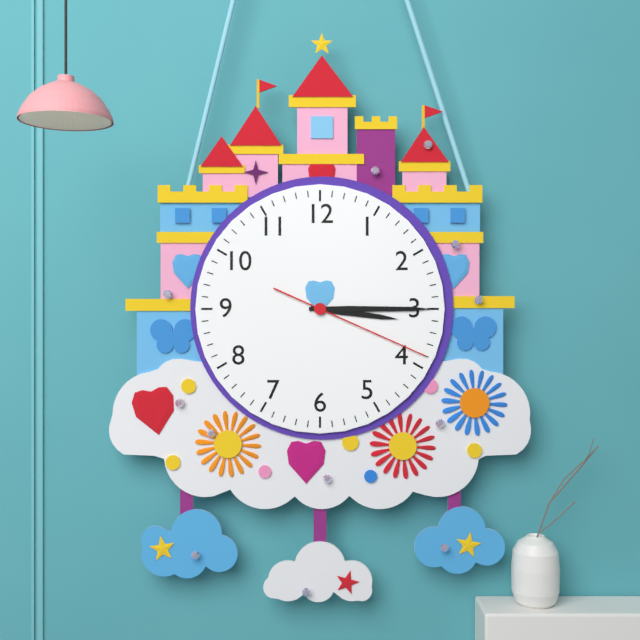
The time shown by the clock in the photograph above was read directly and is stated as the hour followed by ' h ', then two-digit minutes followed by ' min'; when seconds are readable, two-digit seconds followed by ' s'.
3 h 15 min 19 s
